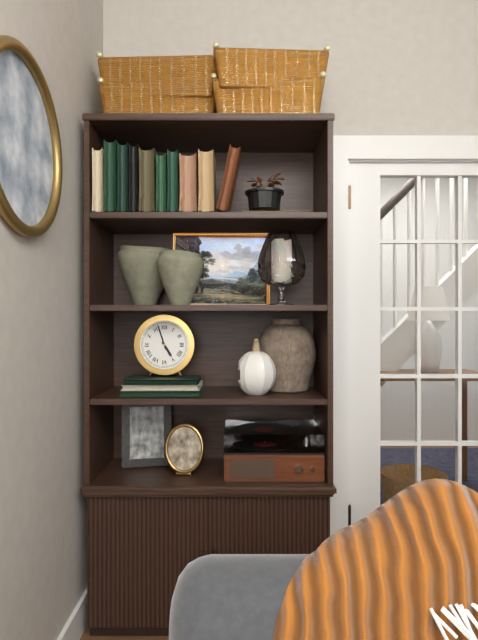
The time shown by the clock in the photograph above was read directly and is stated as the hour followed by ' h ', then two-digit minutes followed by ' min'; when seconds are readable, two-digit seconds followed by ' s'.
4 h 57 min
